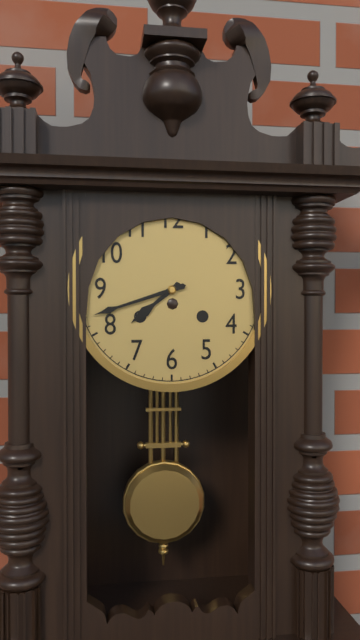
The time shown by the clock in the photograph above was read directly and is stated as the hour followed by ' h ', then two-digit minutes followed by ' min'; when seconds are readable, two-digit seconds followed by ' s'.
7 h 42 min
